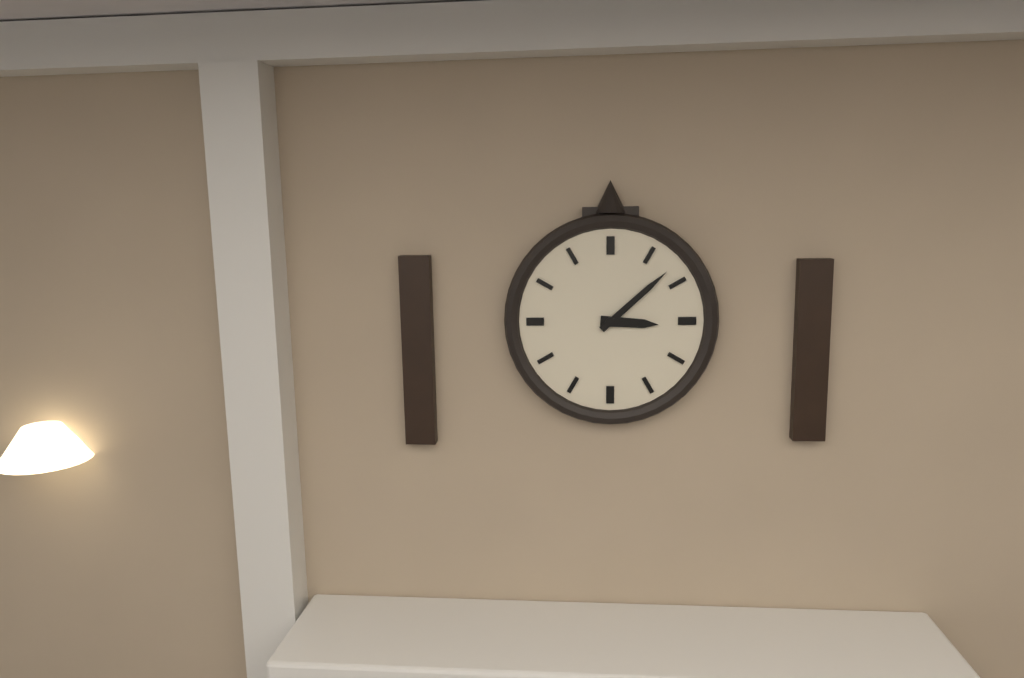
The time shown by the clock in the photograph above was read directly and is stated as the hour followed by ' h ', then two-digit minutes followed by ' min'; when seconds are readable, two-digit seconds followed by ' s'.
3 h 08 min
